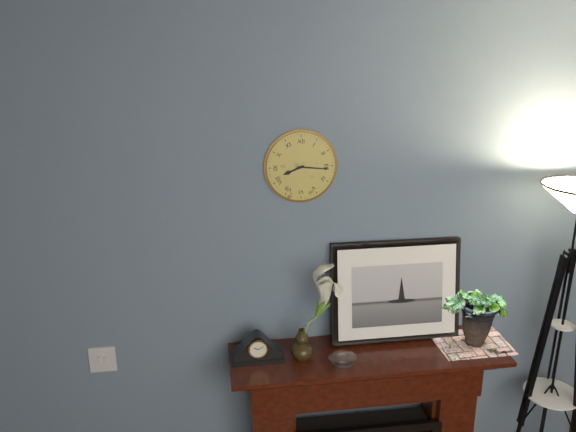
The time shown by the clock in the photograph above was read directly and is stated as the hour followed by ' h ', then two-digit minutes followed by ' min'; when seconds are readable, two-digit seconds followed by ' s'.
8 h 16 min
